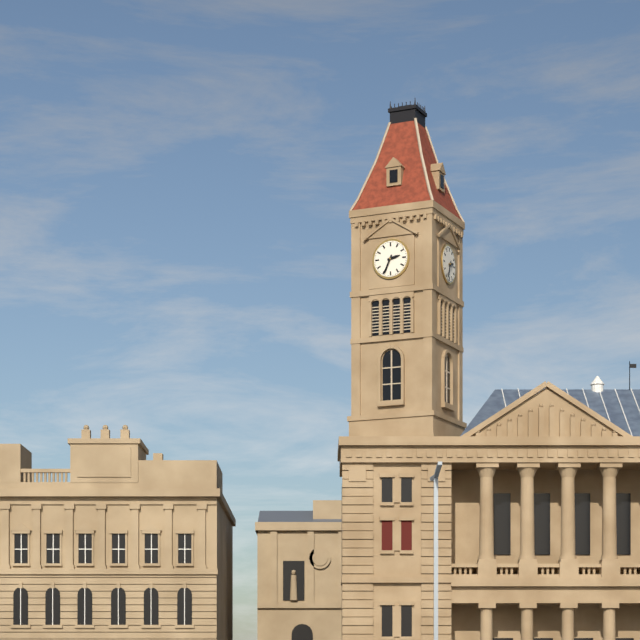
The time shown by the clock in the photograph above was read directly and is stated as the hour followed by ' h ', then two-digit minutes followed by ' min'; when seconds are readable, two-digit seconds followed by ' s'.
2 h 34 min
